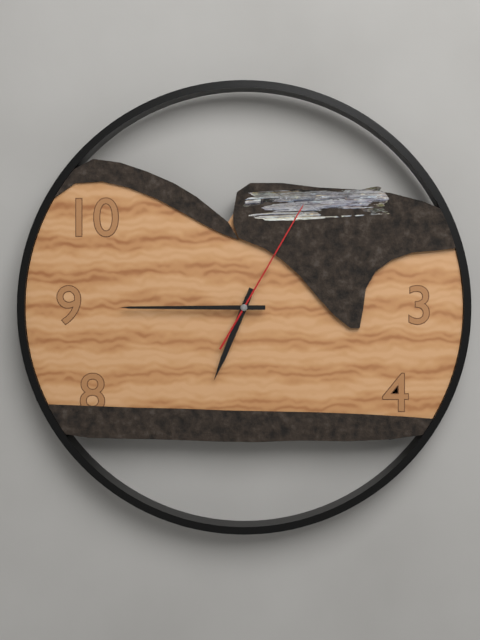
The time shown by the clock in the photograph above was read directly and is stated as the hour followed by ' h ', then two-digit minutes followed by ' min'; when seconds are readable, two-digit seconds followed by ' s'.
6 h 45 min 05 s
